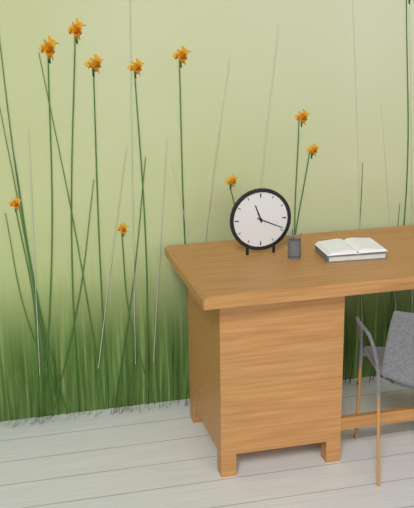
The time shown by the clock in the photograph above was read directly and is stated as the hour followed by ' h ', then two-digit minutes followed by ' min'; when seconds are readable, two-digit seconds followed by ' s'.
11 h 19 min
